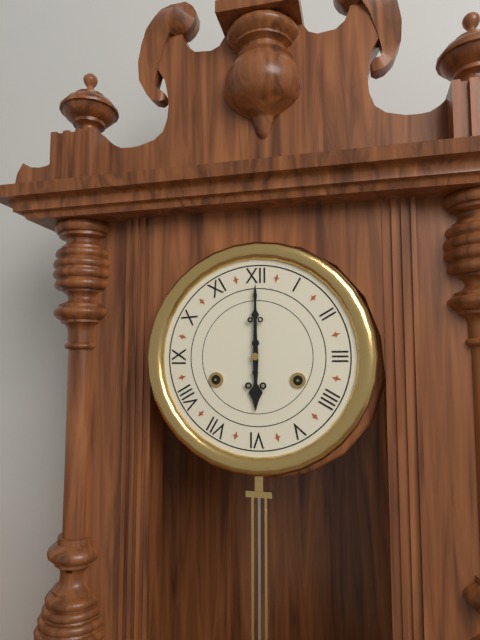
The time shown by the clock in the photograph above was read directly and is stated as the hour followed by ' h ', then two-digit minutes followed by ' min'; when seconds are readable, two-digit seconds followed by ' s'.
6 h 00 min
